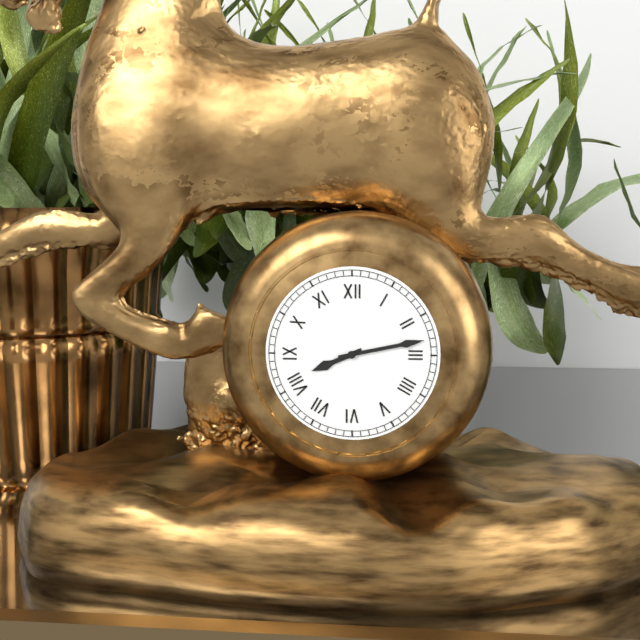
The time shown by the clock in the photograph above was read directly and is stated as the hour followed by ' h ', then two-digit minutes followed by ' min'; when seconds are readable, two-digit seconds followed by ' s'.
8 h 13 min
